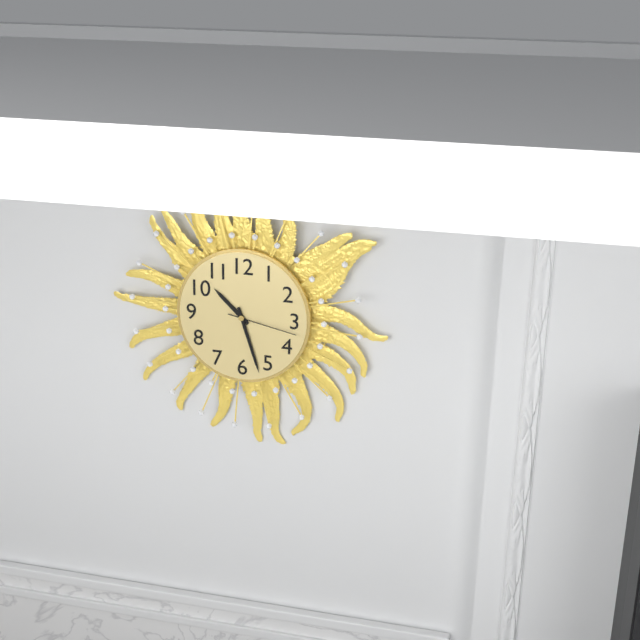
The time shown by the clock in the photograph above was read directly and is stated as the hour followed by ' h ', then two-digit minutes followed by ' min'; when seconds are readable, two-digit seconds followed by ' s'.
10 h 27 min 17 s
